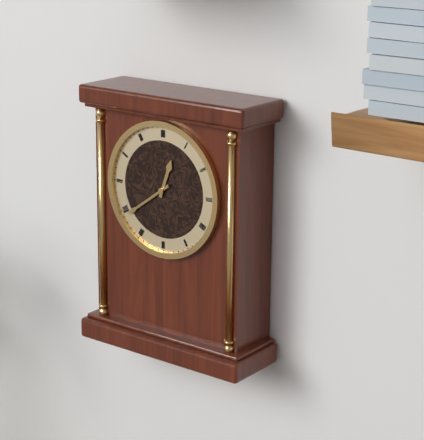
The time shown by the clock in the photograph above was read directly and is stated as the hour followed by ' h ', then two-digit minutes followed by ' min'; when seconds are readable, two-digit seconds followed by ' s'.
12 h 39 min
